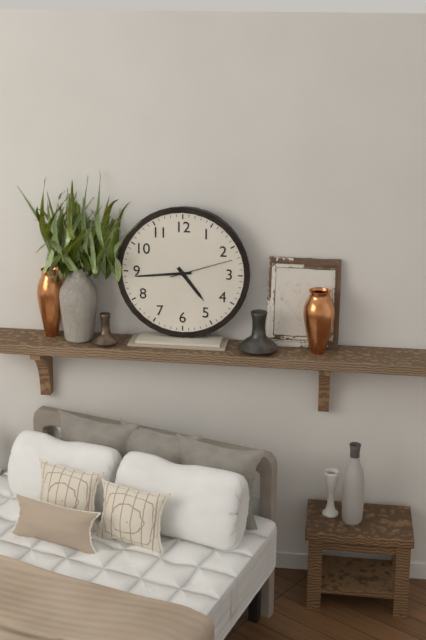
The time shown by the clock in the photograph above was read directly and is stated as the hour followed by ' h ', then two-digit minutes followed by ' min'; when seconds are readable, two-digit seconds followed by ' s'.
4 h 44 min 12 s
